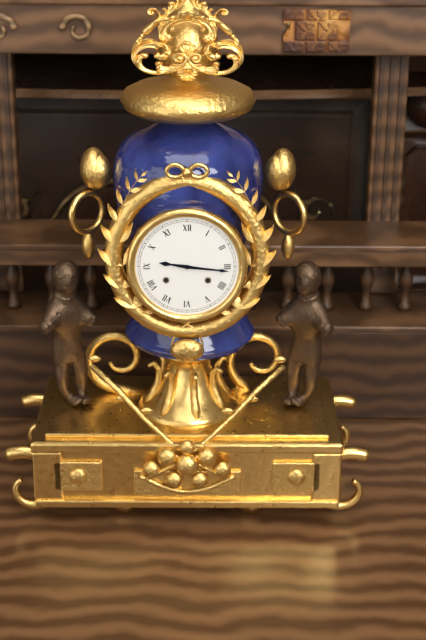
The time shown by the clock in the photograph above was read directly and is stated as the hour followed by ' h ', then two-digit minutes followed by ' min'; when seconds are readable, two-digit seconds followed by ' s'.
9 h 16 min
